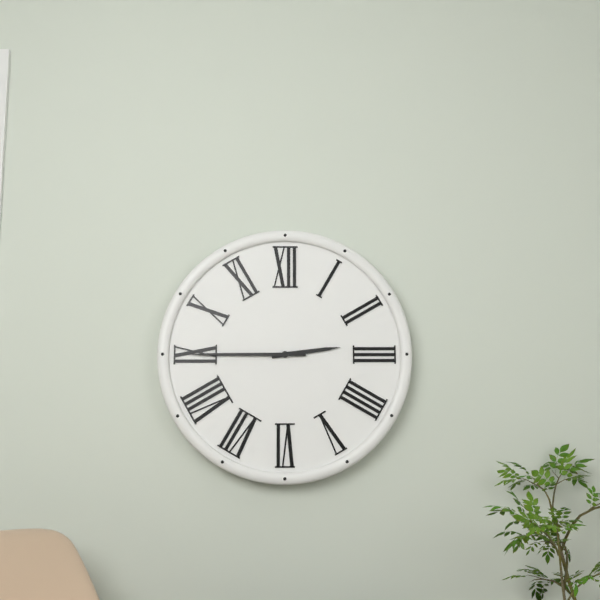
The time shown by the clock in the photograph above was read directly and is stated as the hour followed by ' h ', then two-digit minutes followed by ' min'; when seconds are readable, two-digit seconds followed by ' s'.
2 h 45 min
